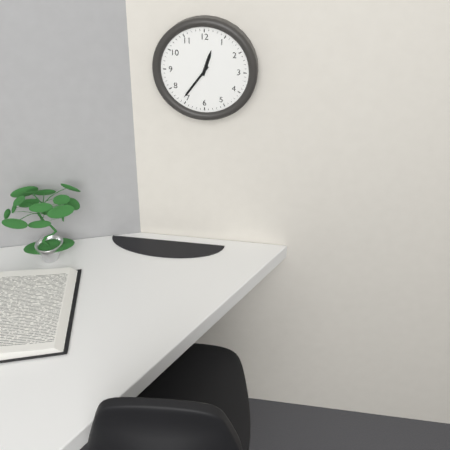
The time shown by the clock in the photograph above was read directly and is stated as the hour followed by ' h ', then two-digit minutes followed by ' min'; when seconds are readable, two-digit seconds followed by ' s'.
12 h 36 min
